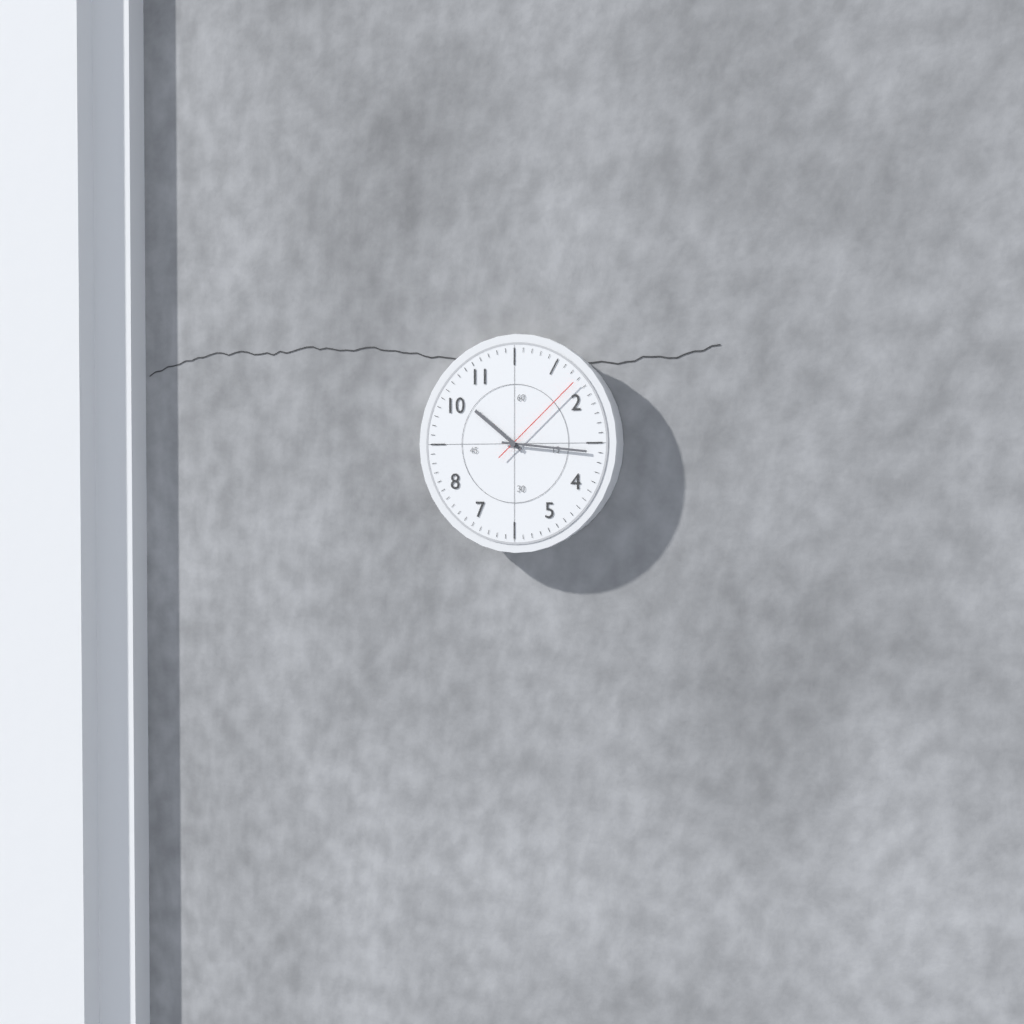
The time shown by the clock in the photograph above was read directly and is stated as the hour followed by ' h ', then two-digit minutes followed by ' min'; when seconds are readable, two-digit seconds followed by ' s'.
10 h 16 min 08 s
